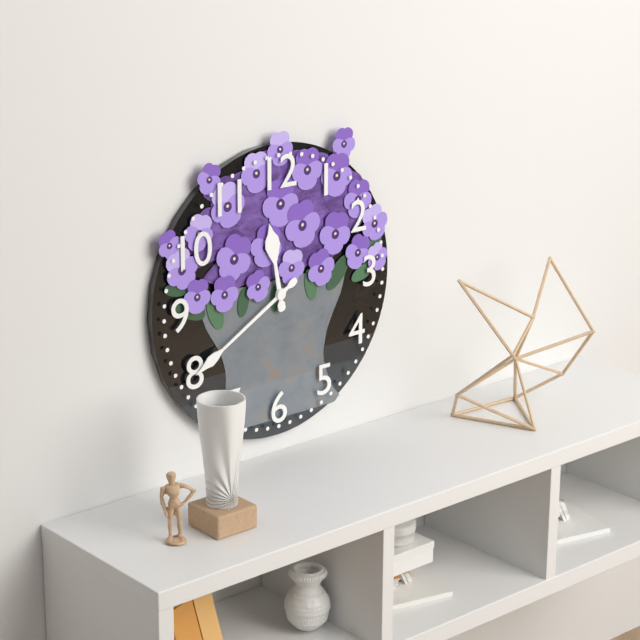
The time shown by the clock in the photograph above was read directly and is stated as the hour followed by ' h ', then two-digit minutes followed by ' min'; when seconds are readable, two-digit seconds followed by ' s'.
11 h 40 min
